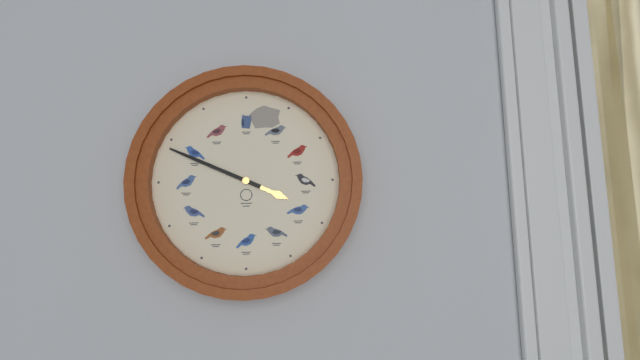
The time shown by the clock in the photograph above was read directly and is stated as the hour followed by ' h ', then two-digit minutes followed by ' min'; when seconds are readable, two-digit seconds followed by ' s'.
3 h 49 min
